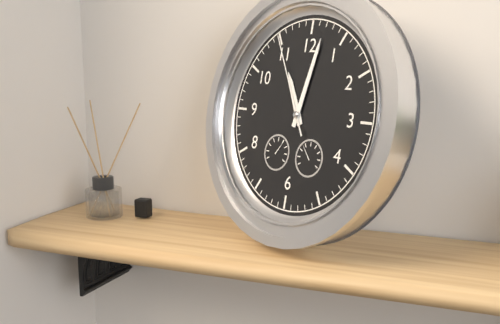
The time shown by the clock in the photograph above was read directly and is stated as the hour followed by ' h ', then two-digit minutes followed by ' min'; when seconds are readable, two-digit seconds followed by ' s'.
11 h 02 min 55 s
